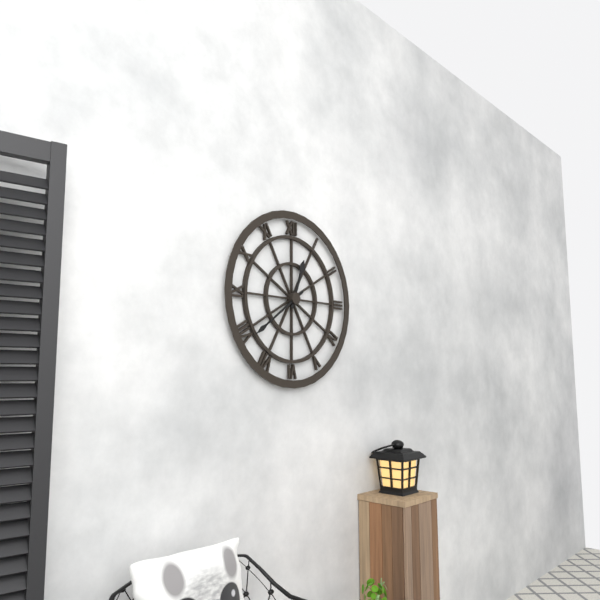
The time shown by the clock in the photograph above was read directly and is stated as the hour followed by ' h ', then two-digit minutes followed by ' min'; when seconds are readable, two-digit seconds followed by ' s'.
12 h 39 min
